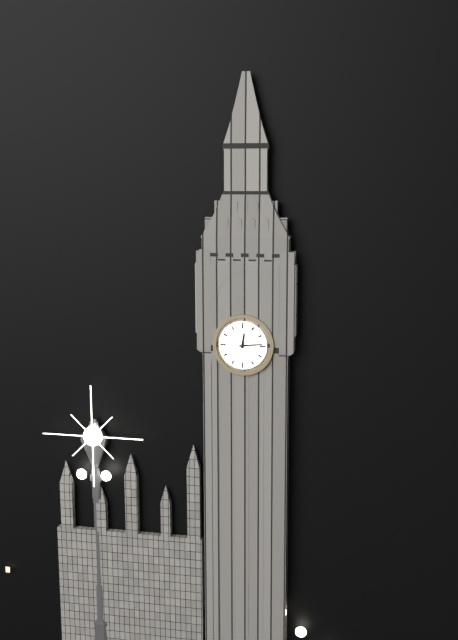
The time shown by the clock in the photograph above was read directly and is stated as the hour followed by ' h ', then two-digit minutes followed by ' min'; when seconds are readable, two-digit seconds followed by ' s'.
12 h 14 min
